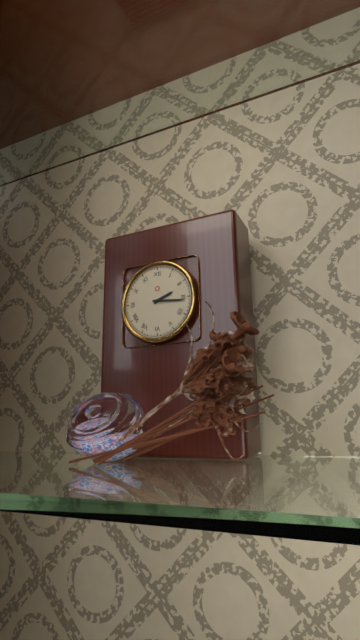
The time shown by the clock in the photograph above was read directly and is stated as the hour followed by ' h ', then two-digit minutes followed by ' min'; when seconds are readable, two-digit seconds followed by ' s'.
2 h 16 min
